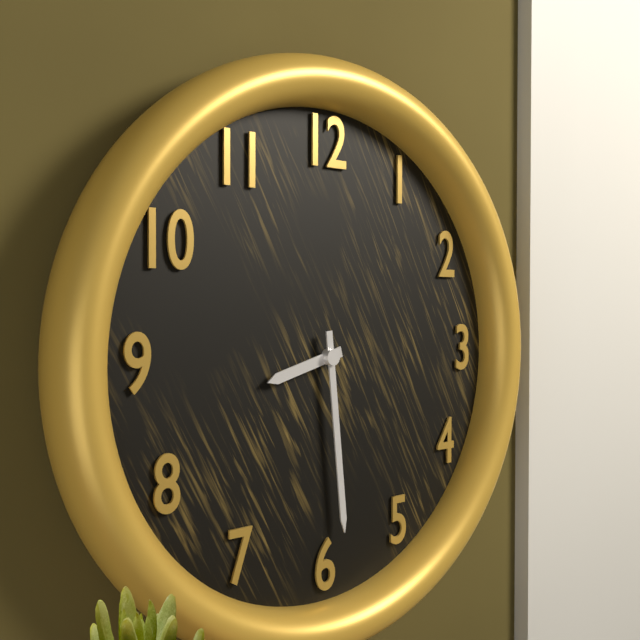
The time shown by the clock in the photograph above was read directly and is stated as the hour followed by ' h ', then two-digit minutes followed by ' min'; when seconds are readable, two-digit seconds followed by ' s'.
8 h 29 min
